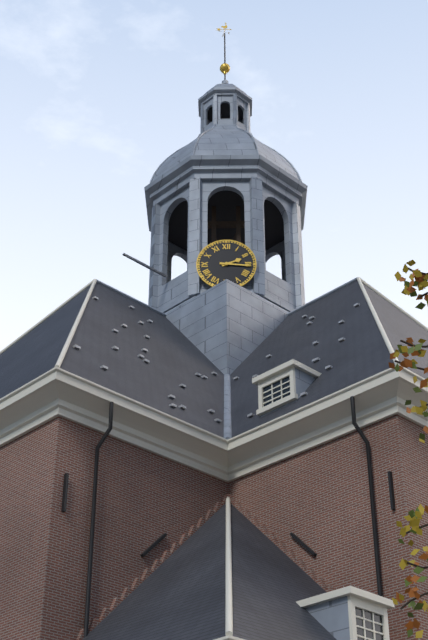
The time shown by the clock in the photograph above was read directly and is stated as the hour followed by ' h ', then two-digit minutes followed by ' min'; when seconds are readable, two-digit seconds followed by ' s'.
2 h 16 min
